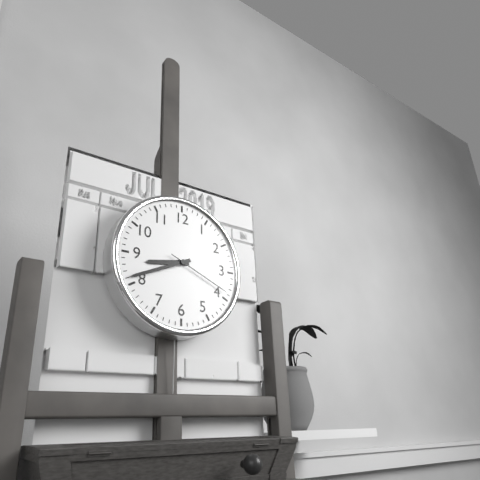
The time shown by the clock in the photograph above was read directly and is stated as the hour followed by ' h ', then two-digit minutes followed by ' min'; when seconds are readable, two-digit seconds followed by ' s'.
8 h 41 min 19 s
